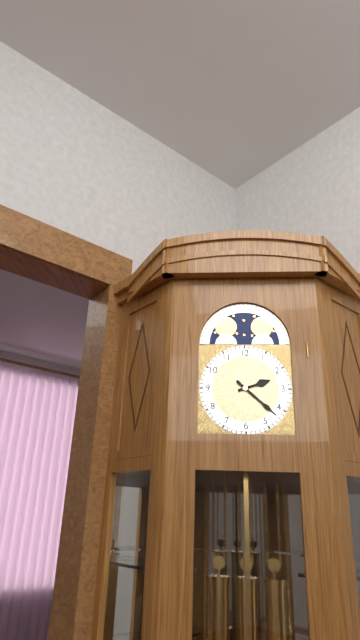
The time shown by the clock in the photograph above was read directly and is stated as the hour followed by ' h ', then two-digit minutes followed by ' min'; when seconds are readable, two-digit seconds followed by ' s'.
2 h 22 min
